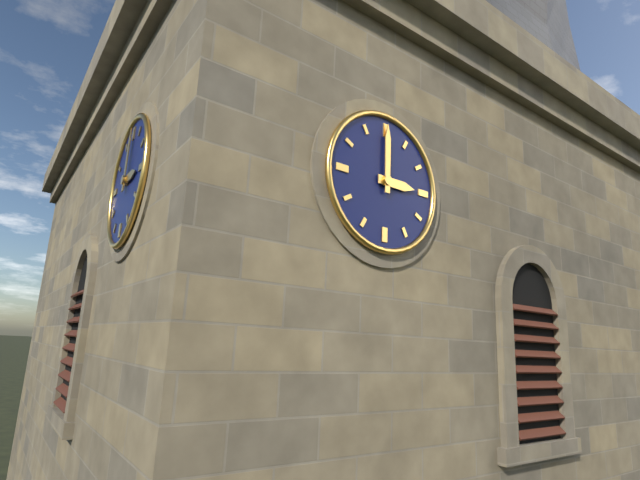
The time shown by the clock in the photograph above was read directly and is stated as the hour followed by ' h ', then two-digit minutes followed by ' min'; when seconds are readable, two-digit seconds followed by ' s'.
3 h 00 min
